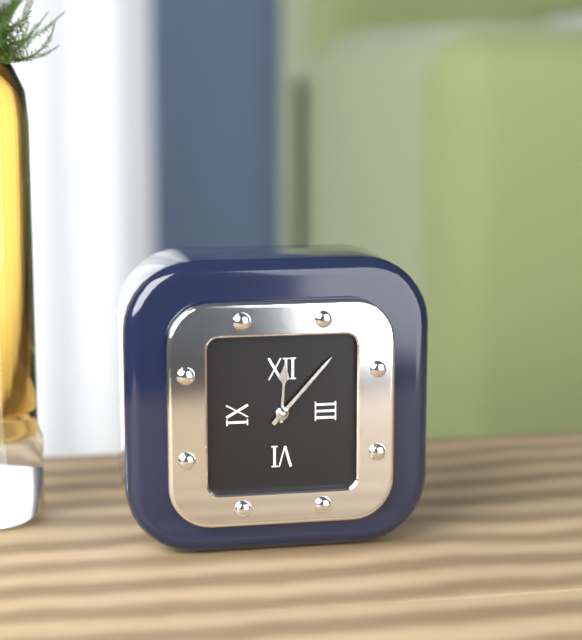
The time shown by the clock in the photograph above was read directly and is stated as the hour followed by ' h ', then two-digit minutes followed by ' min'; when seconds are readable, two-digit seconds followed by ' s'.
12 h 07 min
